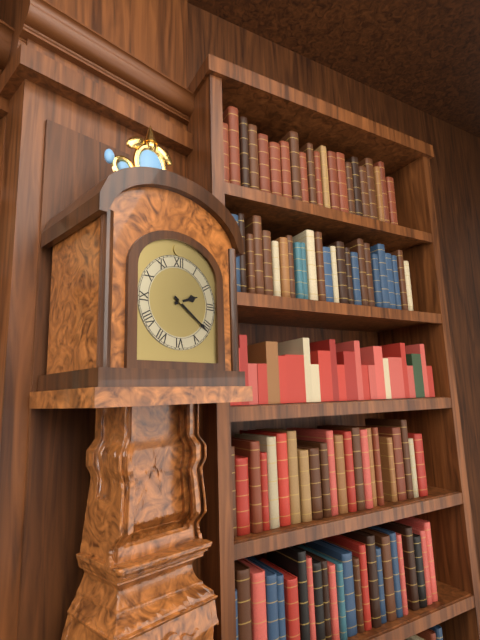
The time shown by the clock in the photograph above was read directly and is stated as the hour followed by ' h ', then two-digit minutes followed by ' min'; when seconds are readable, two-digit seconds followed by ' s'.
2 h 21 min
